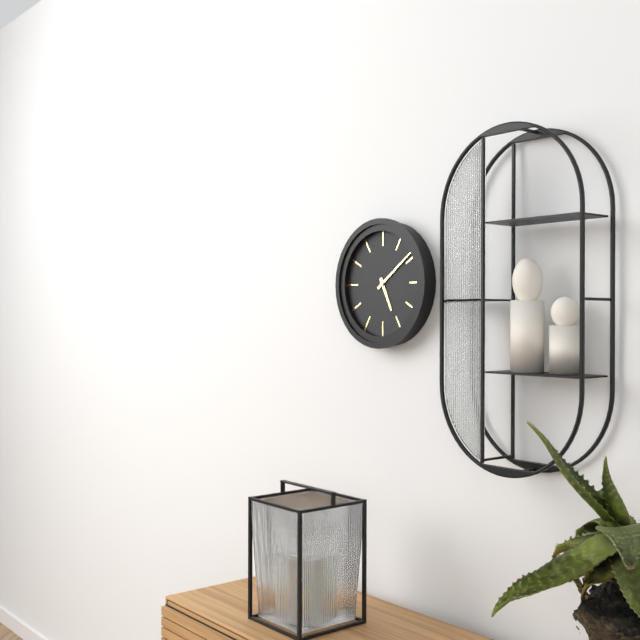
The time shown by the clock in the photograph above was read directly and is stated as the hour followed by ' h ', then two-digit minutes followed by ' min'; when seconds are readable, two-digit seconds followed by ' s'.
5 h 09 min
